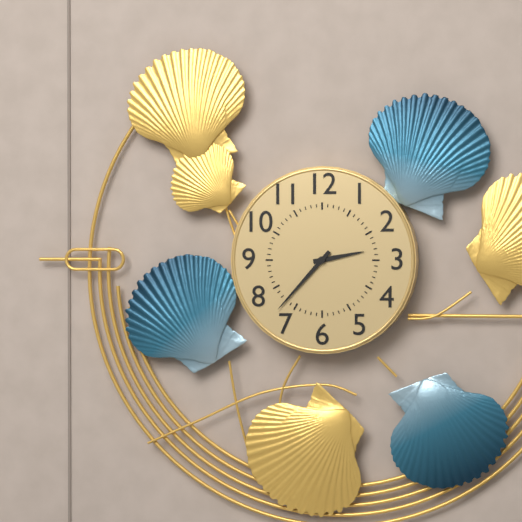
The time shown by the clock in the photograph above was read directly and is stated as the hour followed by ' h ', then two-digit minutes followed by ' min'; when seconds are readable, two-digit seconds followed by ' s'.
2 h 37 min
